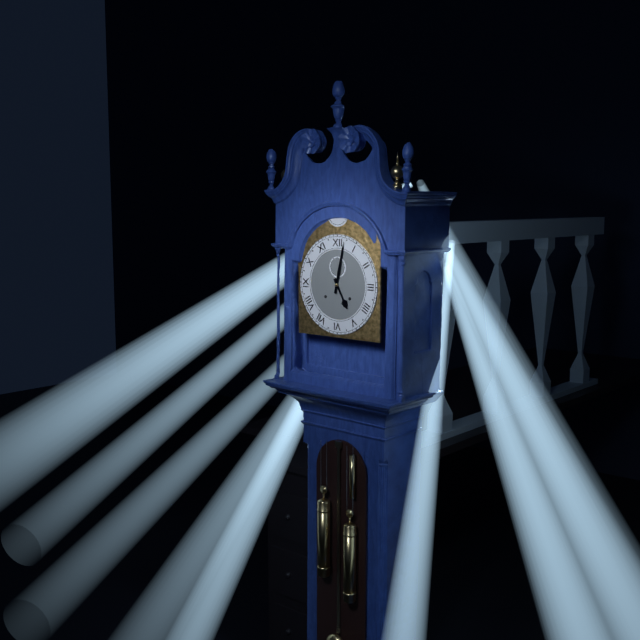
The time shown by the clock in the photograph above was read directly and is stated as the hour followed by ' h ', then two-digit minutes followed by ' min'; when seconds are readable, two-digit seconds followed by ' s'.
5 h 02 min
